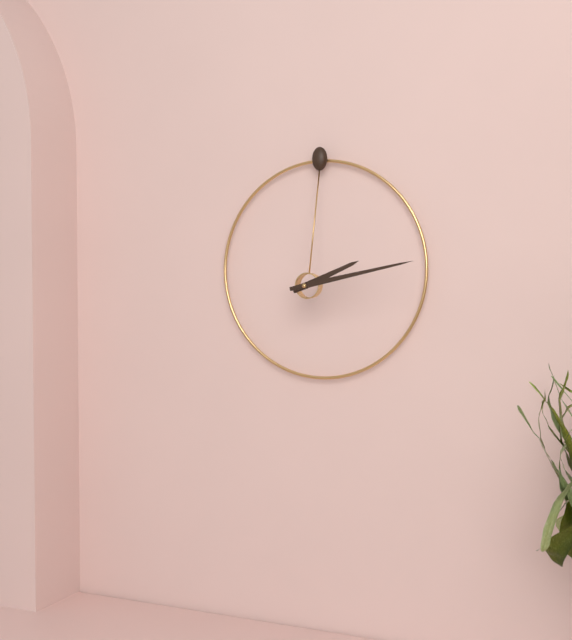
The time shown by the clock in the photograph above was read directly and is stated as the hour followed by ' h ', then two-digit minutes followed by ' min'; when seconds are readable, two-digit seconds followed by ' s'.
2 h 13 min
